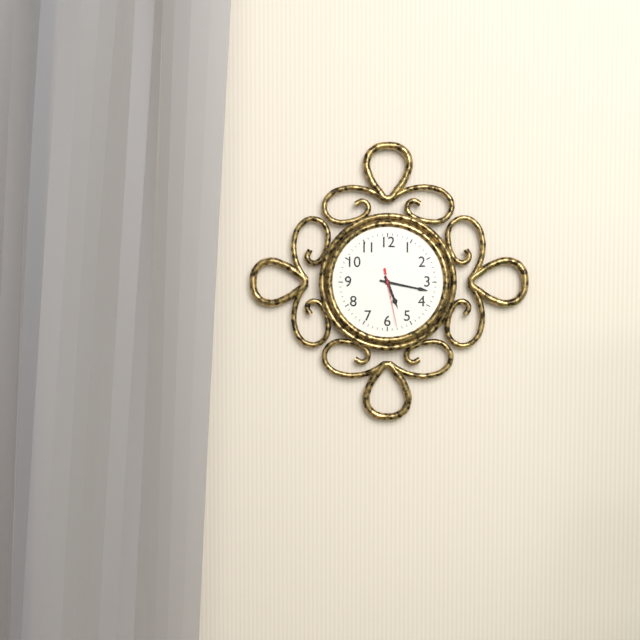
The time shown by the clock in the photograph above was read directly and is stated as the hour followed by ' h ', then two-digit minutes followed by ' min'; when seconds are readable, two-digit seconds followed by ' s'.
5 h 17 min 28 s
